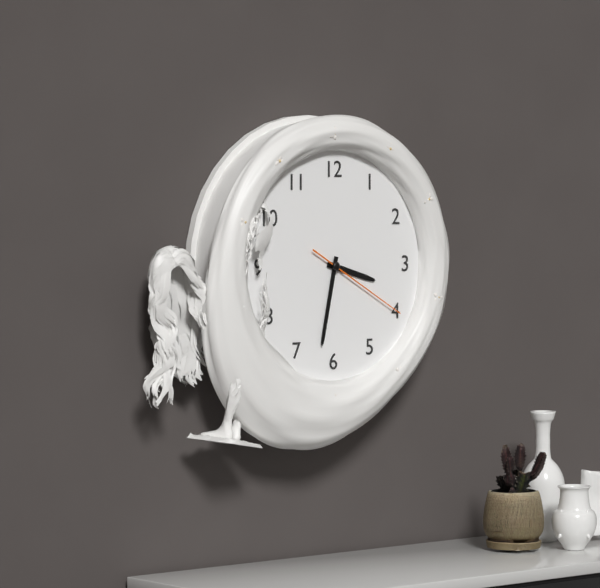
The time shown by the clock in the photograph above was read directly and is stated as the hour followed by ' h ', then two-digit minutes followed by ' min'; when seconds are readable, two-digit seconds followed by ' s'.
3 h 32 min 20 s
